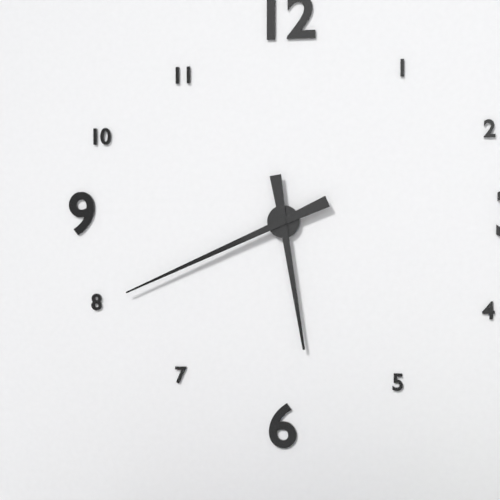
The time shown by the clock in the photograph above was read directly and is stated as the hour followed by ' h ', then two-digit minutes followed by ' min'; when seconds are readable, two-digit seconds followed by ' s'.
5 h 41 min
